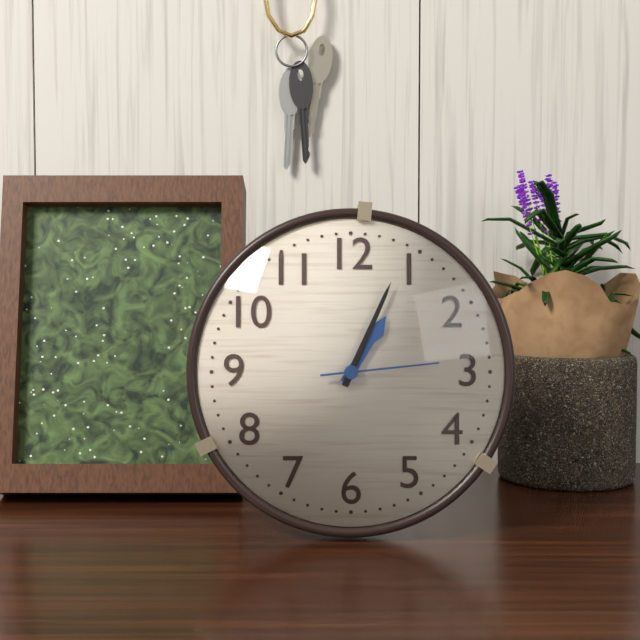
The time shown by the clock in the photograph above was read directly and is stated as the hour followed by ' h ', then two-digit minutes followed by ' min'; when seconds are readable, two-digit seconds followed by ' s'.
1 h 04 min 14 s
